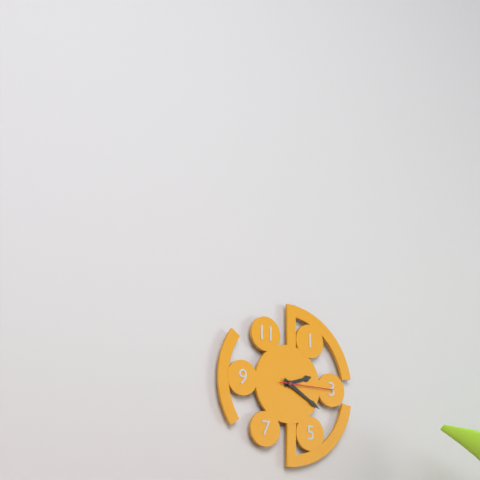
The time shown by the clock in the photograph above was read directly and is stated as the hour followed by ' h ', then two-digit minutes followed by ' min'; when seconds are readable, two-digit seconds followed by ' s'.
2 h 20 min 15 s
